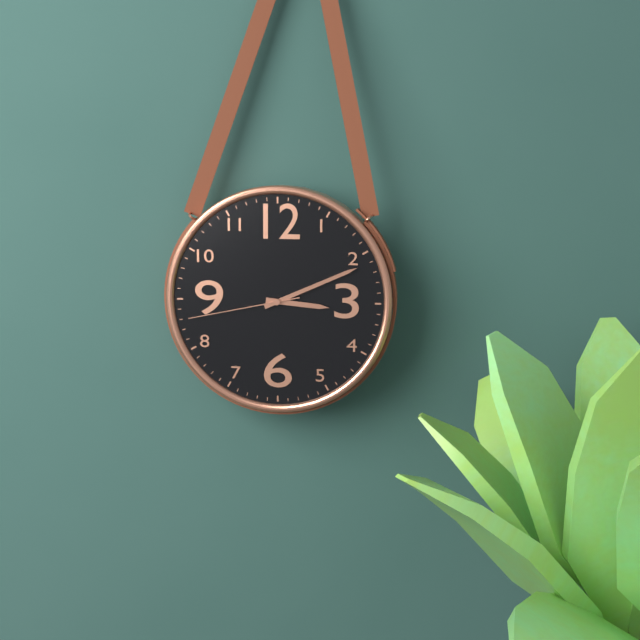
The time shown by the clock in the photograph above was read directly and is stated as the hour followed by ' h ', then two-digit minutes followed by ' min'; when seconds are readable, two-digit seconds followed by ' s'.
3 h 11 min 43 s
